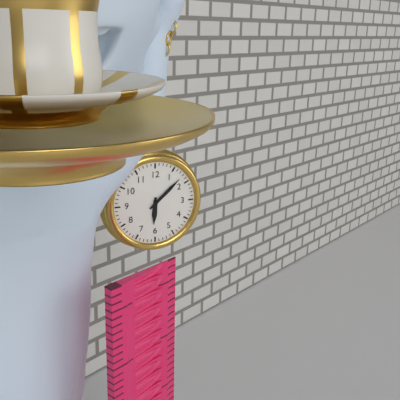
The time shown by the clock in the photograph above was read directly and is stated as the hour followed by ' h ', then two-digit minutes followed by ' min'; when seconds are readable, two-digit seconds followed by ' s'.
6 h 08 min
